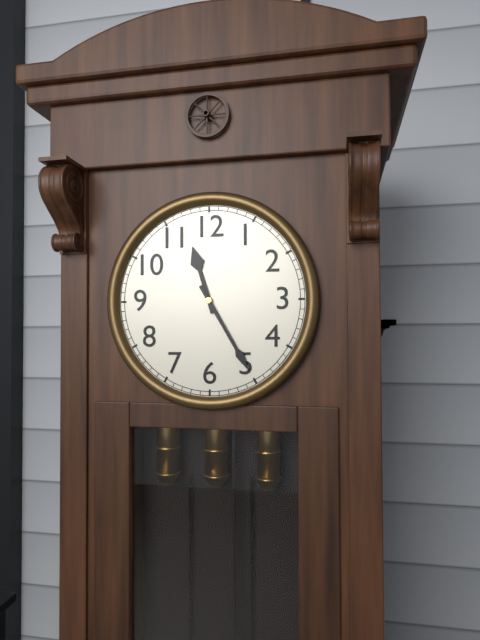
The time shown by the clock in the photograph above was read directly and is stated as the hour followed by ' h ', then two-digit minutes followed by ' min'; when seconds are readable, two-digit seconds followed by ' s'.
11 h 25 min
